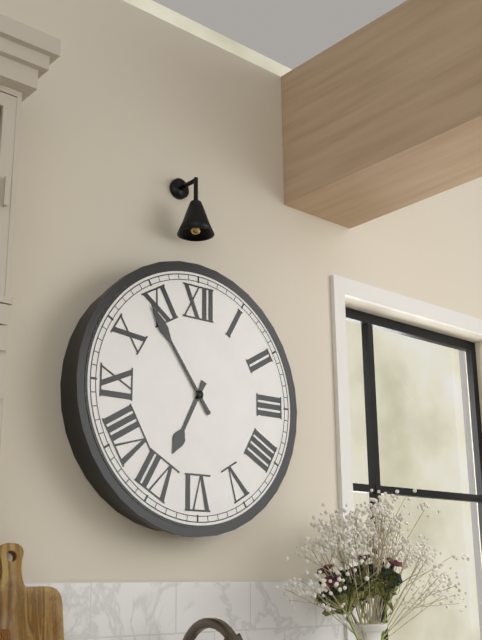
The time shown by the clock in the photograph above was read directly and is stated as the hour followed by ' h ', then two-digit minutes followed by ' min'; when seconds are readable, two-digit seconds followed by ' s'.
6 h 54 min
